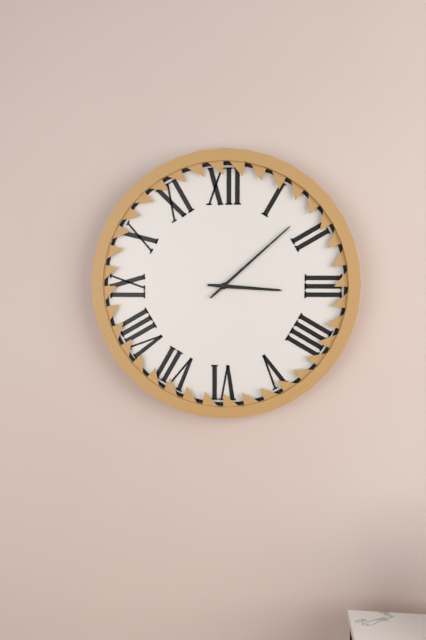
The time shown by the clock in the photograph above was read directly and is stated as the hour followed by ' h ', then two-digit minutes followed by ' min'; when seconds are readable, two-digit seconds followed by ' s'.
3 h 08 min
